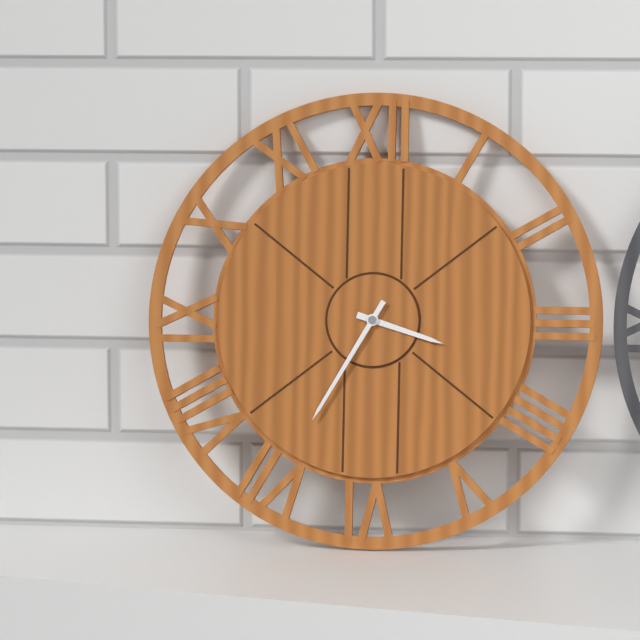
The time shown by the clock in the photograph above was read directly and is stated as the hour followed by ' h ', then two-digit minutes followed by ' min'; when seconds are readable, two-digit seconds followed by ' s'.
3 h 35 min
